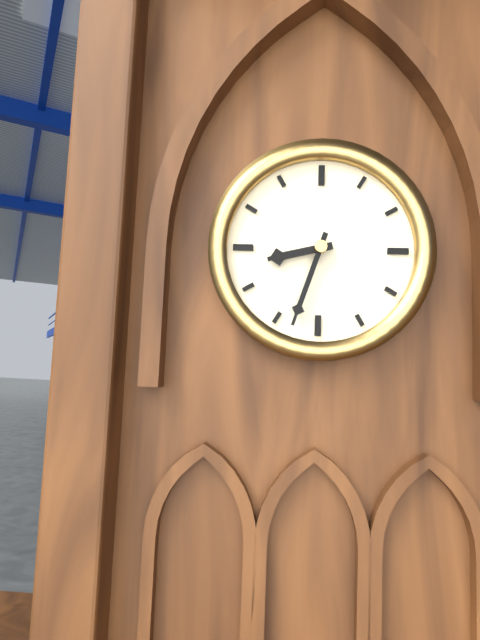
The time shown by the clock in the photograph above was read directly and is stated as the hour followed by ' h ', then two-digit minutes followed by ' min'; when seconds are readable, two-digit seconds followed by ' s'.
8 h 33 min
